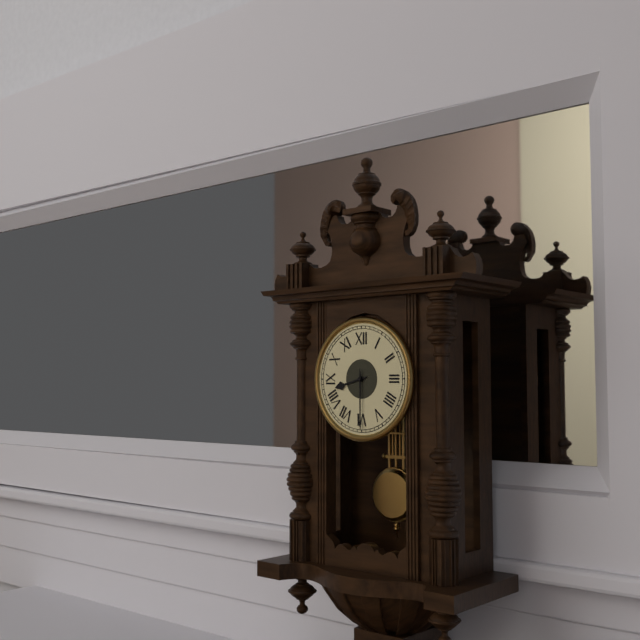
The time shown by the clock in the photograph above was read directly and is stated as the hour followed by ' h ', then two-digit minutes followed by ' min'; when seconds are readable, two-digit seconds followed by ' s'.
8 h 30 min
